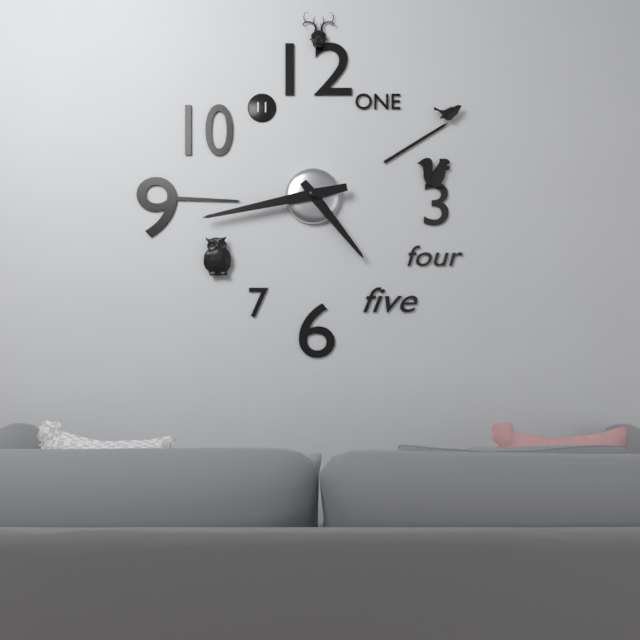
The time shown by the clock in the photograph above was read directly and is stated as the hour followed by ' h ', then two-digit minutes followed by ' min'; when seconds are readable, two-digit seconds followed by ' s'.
4 h 43 min
